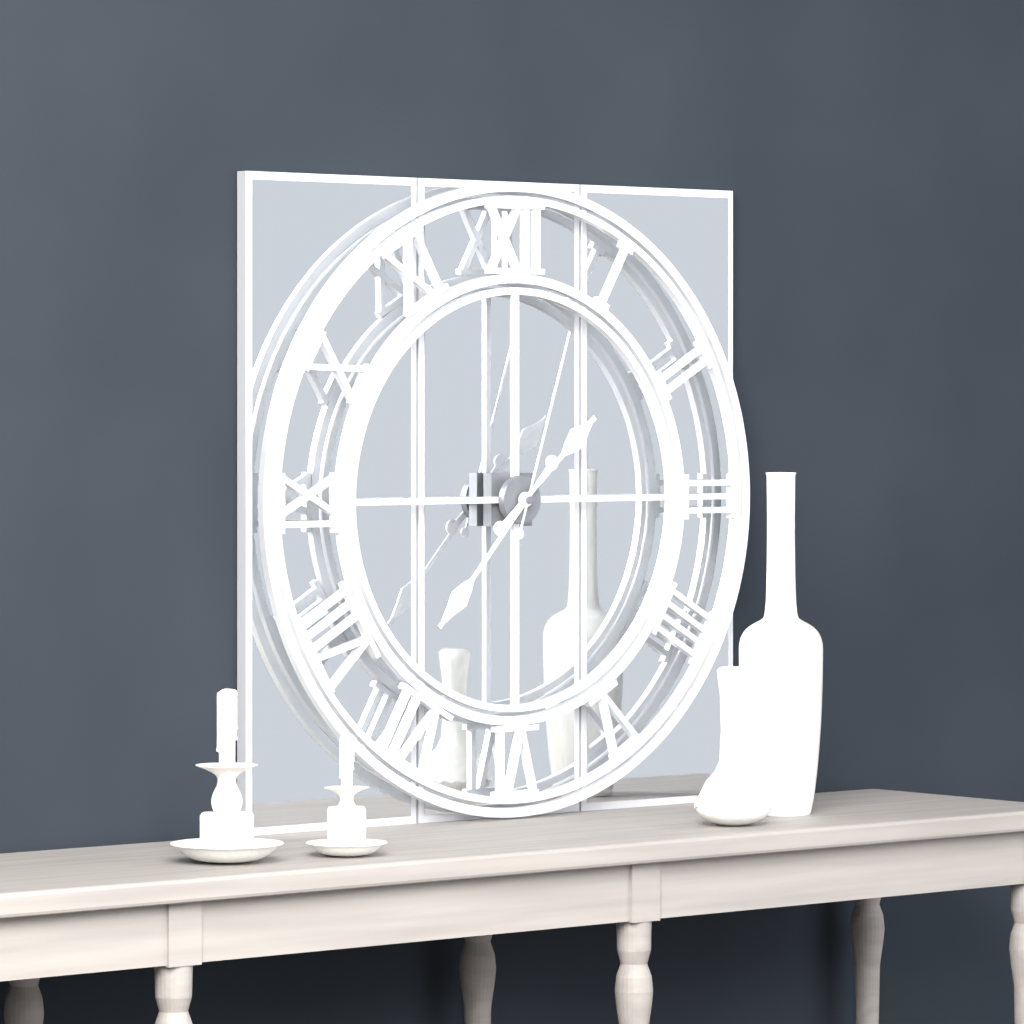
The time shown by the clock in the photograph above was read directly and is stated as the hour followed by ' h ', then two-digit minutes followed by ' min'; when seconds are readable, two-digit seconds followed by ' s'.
1 h 37 min 03 s
